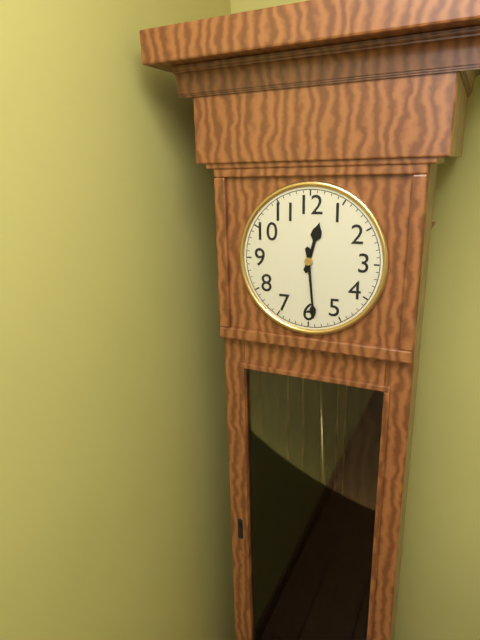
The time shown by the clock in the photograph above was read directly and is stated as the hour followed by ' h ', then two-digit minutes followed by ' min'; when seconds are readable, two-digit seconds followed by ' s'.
12 h 29 min
